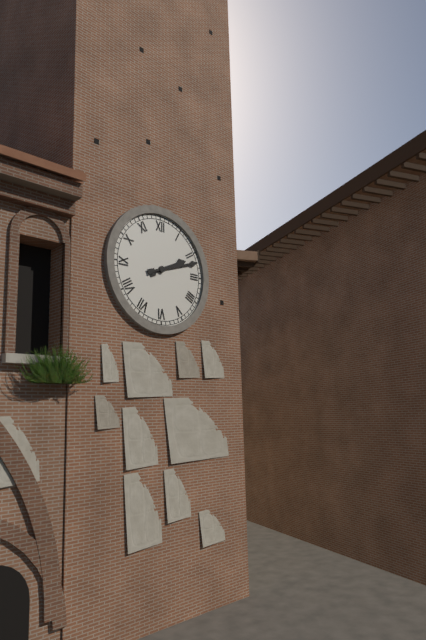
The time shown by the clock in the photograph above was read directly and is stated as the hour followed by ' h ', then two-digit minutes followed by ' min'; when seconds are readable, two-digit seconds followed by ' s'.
2 h 12 min
